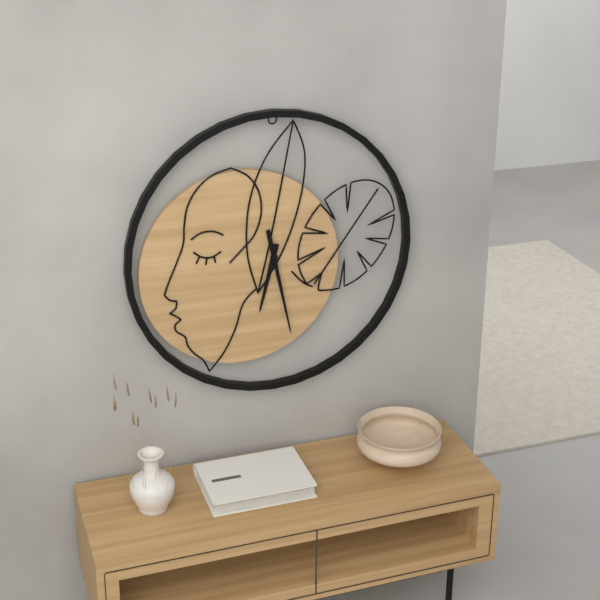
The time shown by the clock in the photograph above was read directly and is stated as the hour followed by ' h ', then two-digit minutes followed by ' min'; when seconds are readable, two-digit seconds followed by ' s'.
6 h 28 min
